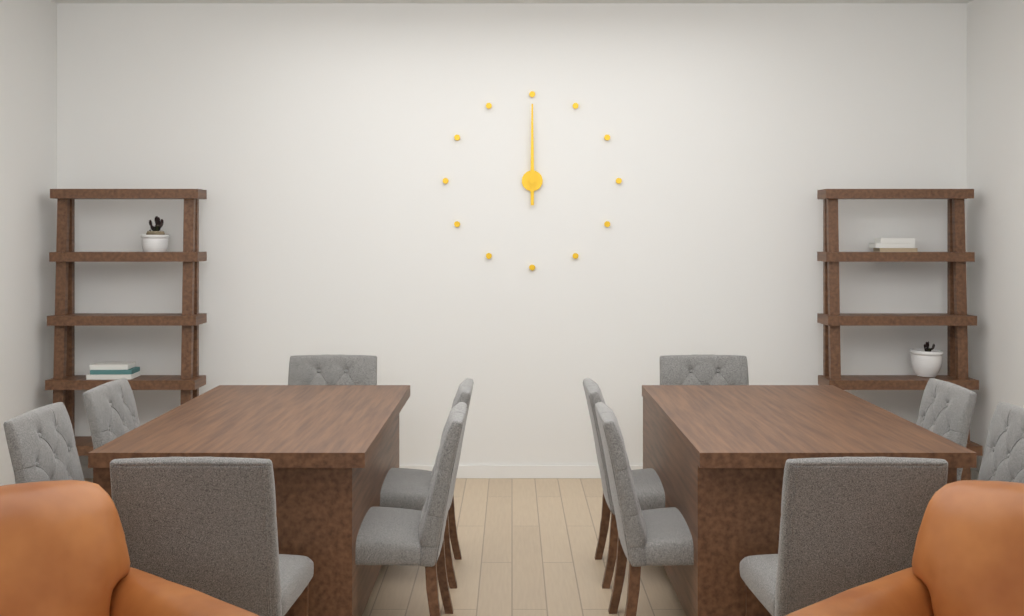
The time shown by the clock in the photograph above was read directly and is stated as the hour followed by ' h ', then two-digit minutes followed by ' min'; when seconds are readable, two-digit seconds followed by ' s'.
12 h 00 min
